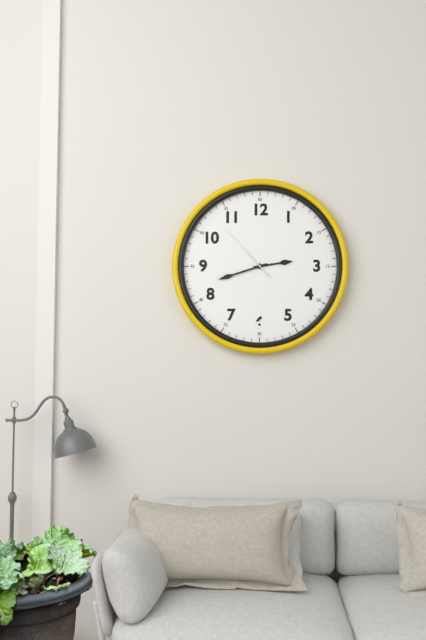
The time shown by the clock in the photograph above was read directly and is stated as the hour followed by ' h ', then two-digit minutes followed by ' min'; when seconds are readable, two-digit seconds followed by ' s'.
2 h 42 min 53 s
